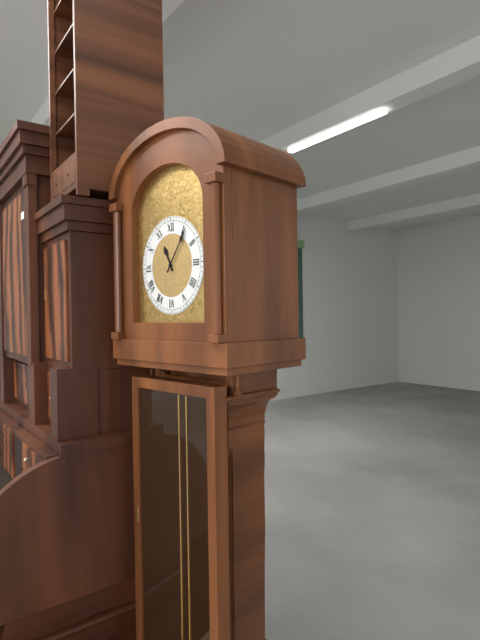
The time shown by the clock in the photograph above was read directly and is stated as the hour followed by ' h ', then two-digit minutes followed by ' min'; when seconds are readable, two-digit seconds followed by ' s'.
11 h 06 min
